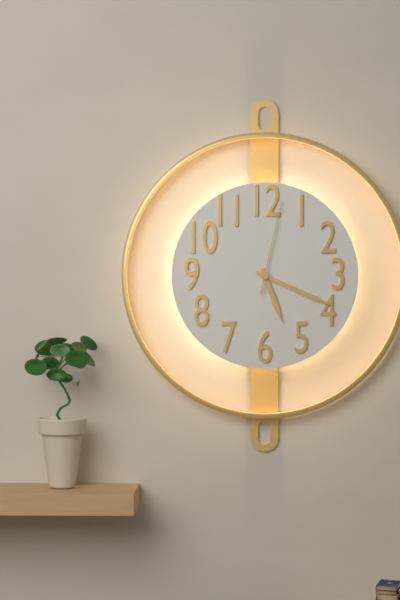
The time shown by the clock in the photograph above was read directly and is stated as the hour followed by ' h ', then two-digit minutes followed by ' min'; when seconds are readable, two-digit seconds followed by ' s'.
5 h 19 min 02 s
